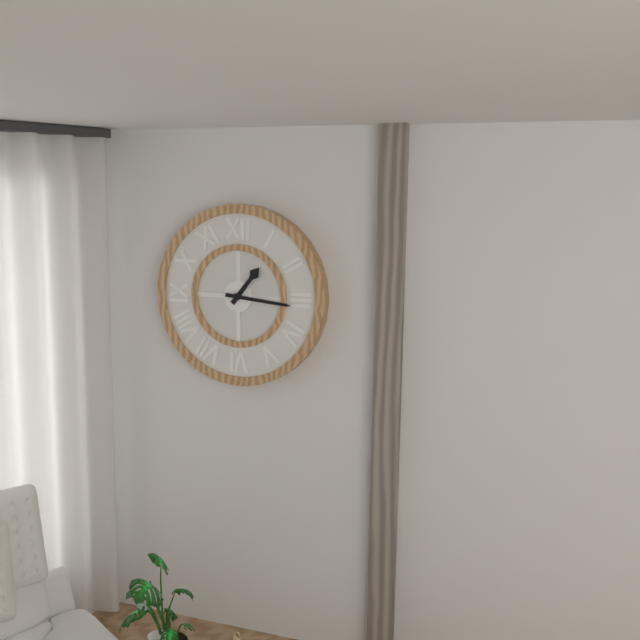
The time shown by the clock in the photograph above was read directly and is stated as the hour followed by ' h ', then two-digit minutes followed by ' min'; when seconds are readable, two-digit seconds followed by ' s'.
1 h 16 min
